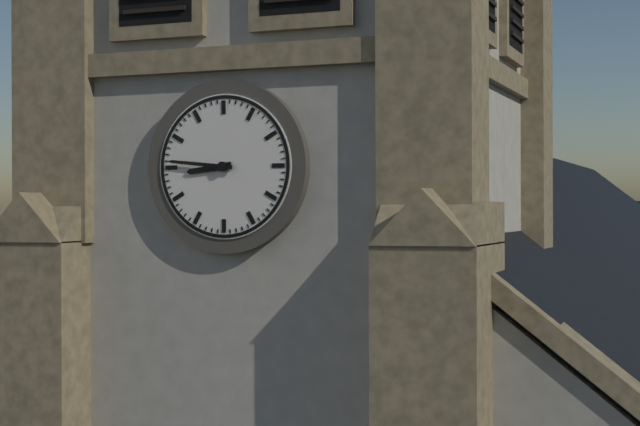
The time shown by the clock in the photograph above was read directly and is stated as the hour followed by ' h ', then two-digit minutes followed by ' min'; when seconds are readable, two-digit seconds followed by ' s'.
8 h 46 min
